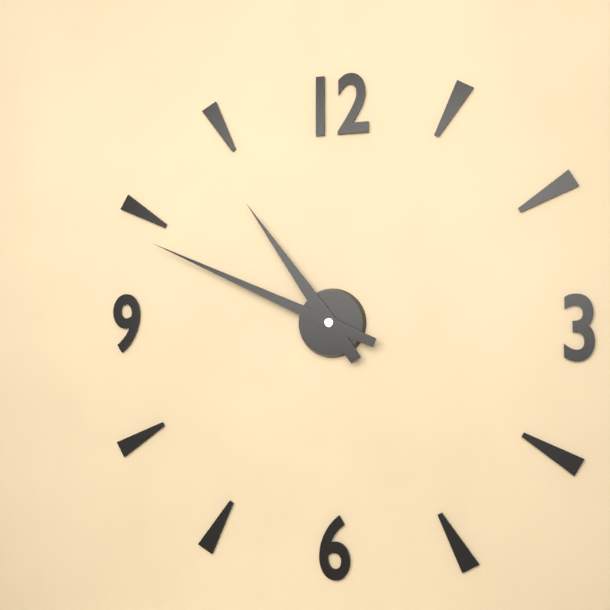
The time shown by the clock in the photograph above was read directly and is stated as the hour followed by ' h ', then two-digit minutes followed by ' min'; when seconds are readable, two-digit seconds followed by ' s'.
10 h 49 min
